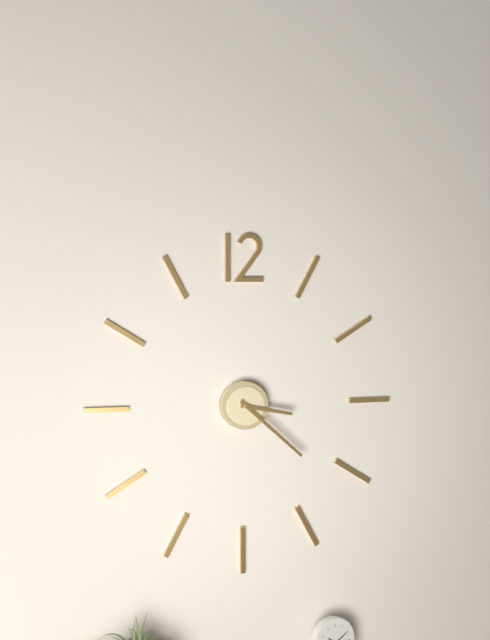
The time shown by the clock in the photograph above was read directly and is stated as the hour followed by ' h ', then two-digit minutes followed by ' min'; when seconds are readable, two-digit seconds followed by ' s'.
3 h 22 min
